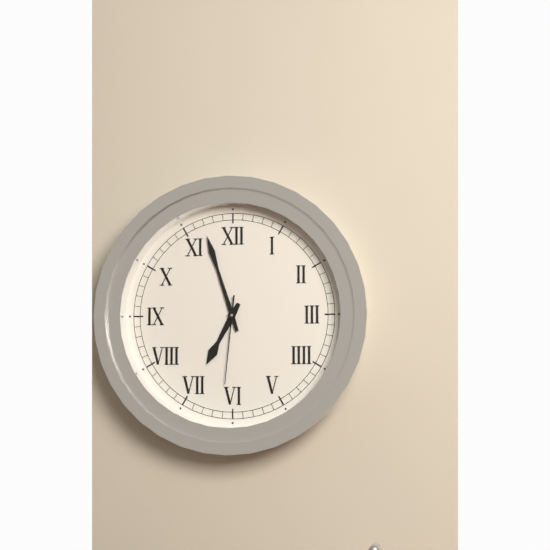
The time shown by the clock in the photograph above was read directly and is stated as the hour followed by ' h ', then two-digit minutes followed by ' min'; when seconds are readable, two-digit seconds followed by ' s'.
6 h 57 min 31 s
